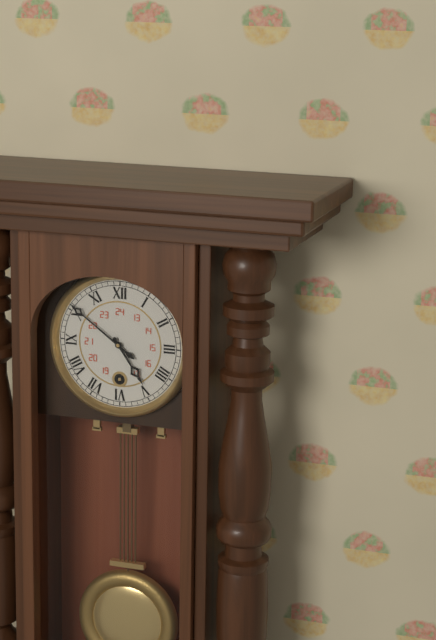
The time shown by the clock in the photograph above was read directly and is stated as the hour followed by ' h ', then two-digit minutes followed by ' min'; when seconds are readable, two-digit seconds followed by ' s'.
4 h 51 min
